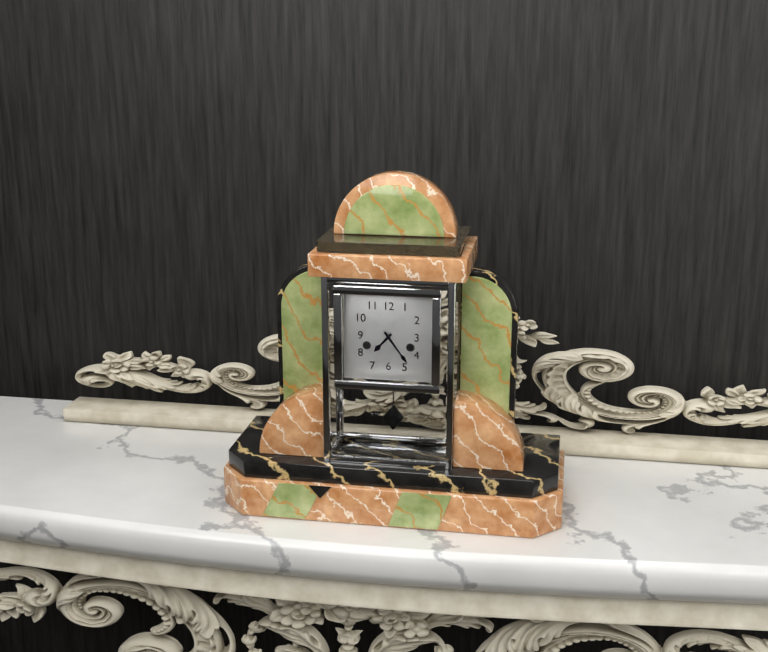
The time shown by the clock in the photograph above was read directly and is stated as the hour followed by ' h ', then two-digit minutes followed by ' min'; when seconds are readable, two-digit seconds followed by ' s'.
7 h 24 min
